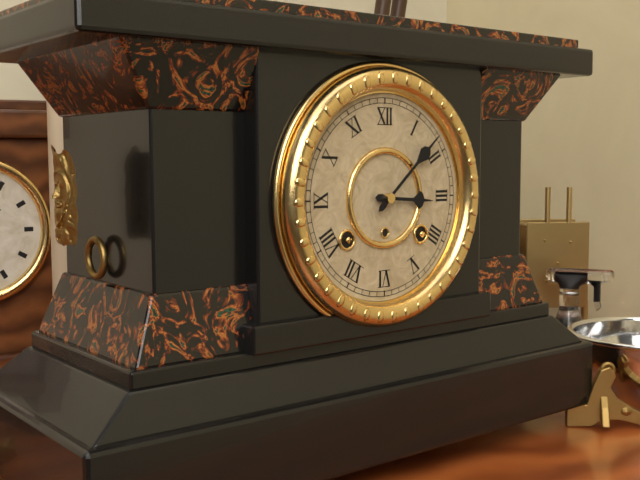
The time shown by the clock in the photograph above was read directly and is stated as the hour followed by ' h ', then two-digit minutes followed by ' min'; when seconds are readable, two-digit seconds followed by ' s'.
3 h 08 min
